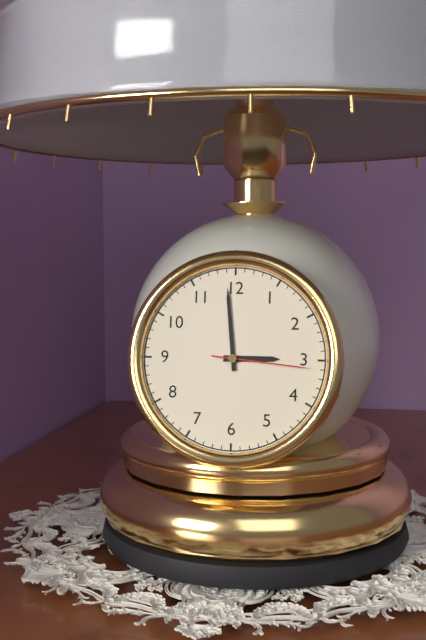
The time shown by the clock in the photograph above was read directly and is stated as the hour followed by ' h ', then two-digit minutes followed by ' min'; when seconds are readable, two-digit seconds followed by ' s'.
2 h 59 min 16 s
